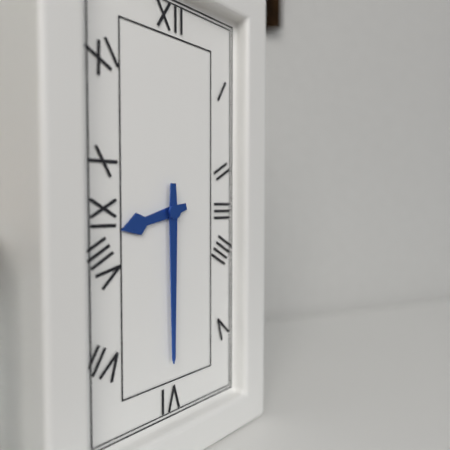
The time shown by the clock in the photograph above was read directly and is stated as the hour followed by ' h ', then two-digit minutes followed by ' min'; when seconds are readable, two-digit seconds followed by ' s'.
8 h 30 min
